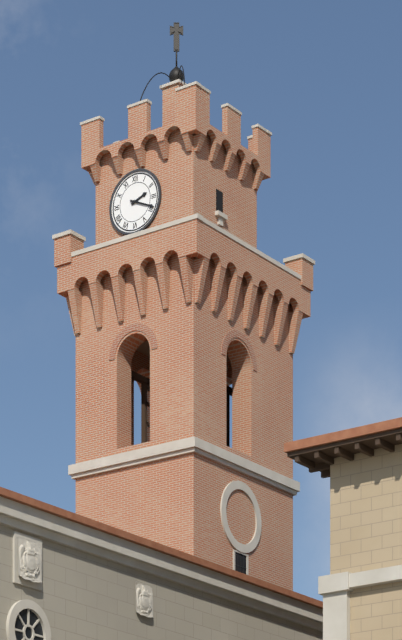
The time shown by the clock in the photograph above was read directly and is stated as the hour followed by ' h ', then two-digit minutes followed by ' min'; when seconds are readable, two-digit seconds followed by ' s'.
2 h 19 min
